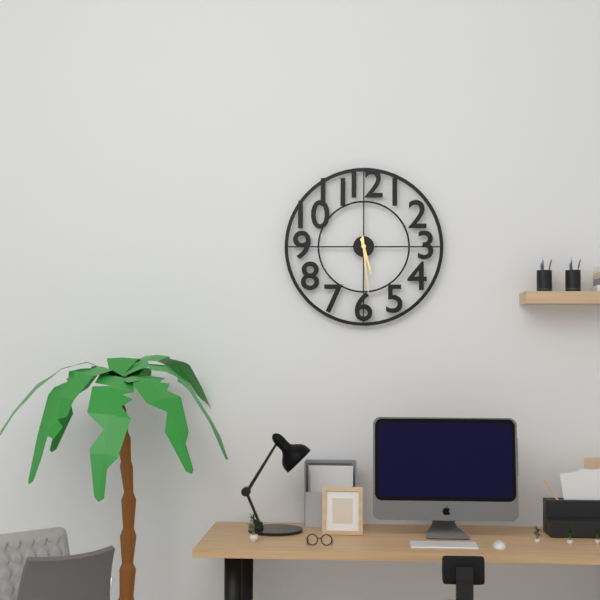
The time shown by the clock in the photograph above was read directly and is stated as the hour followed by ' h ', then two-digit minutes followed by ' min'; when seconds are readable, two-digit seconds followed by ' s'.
5 h 29 min
